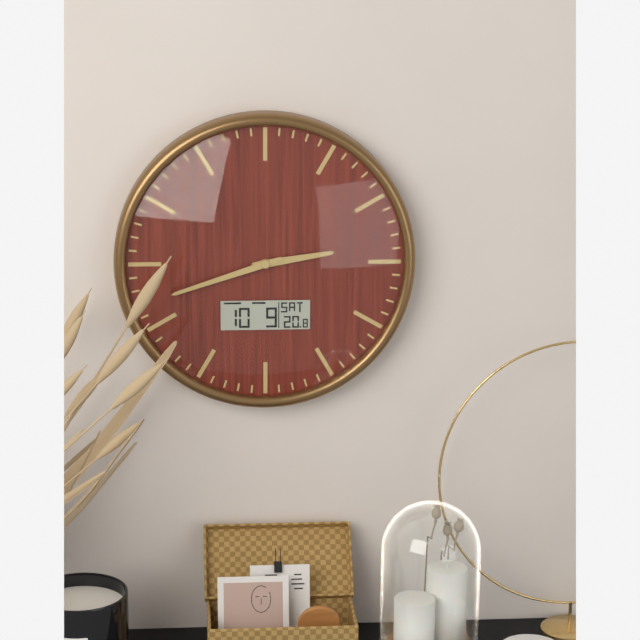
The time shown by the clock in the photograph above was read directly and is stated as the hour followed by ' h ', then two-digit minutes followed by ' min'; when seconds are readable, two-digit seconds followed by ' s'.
2 h 42 min
